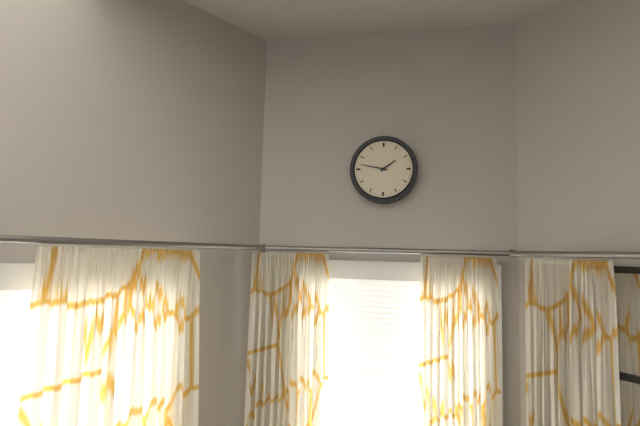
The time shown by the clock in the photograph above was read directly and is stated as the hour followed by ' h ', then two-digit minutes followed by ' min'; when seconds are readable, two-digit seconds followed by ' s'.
1 h 47 min
